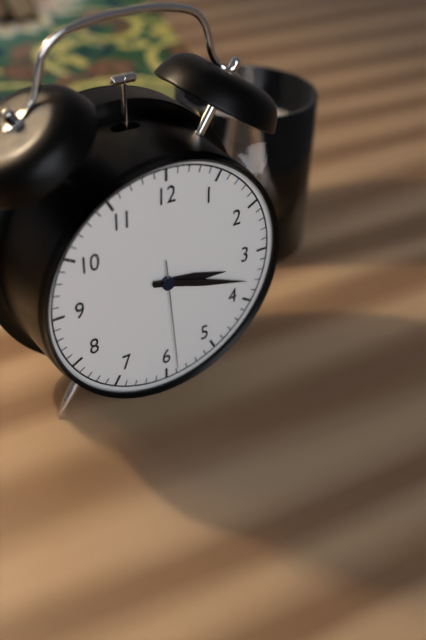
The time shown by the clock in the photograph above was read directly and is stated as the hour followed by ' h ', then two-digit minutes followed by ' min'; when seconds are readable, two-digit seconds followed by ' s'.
3 h 18 min 29 s
